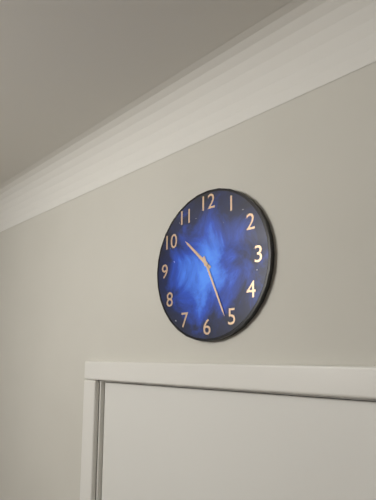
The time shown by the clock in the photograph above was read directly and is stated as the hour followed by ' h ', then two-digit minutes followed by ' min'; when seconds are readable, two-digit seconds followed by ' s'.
10 h 26 min
